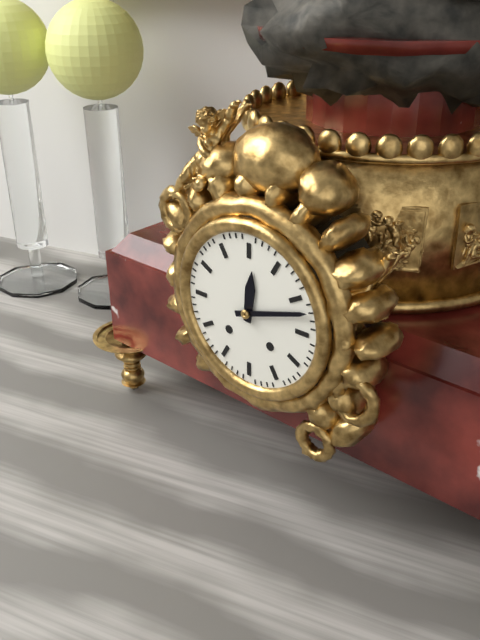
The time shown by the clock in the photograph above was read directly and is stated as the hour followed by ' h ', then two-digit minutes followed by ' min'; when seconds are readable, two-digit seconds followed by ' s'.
12 h 12 min
